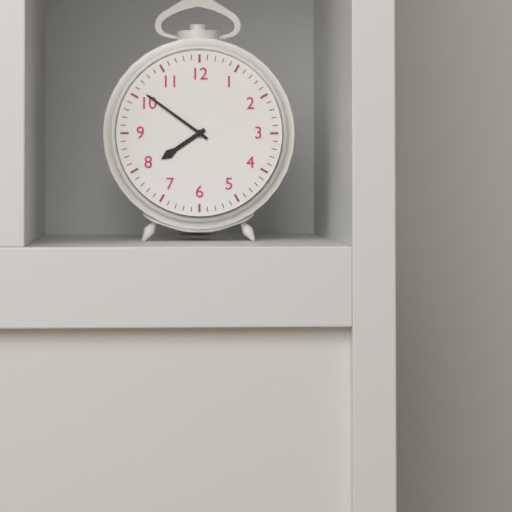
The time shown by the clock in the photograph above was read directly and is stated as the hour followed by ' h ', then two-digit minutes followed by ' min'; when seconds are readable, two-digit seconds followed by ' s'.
7 h 51 min
